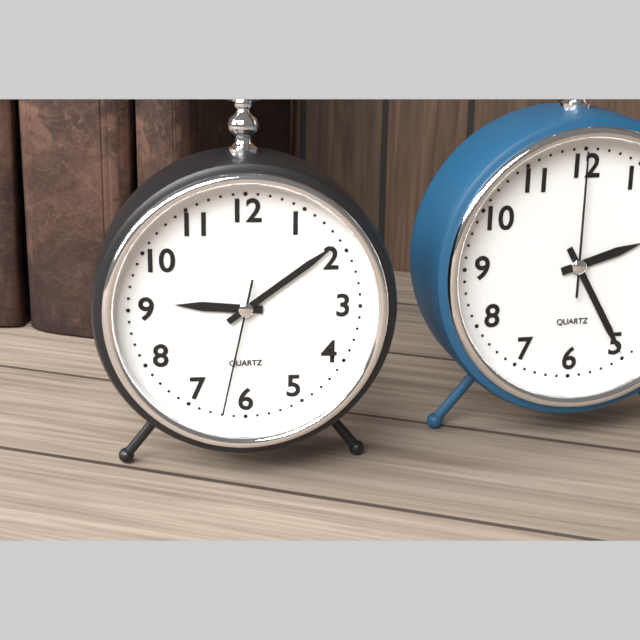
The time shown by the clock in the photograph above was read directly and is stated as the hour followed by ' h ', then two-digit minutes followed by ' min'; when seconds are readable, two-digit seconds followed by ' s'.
9 h 09 min 32 s
